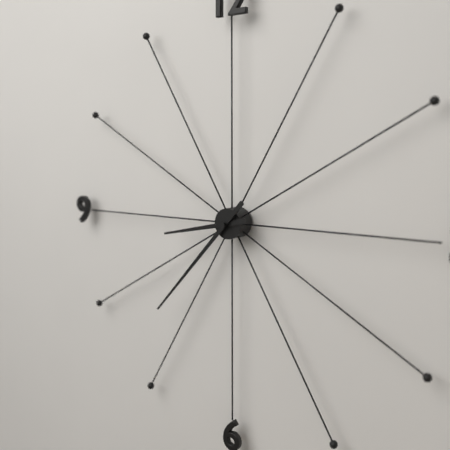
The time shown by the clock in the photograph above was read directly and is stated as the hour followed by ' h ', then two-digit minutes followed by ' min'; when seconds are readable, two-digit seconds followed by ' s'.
8 h 37 min
